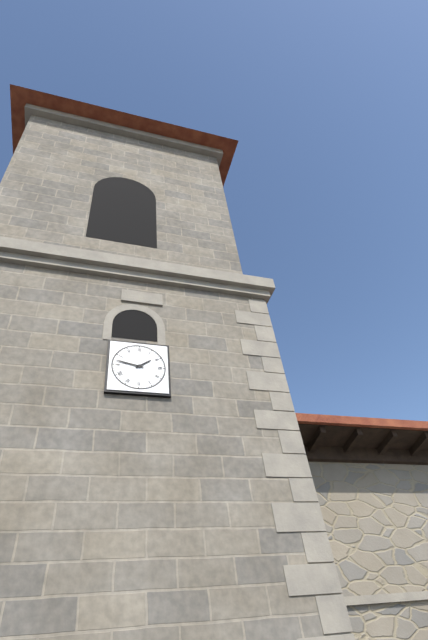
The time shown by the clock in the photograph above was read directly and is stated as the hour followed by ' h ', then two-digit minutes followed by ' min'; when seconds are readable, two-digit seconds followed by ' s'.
1 h 47 min
